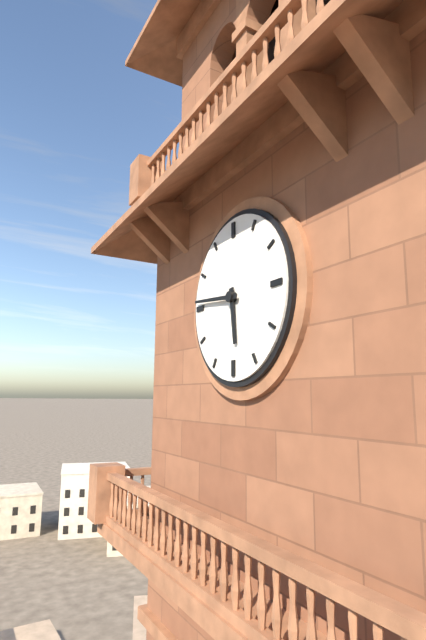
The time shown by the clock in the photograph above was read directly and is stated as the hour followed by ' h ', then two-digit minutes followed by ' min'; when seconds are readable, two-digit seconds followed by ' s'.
5 h 46 min
